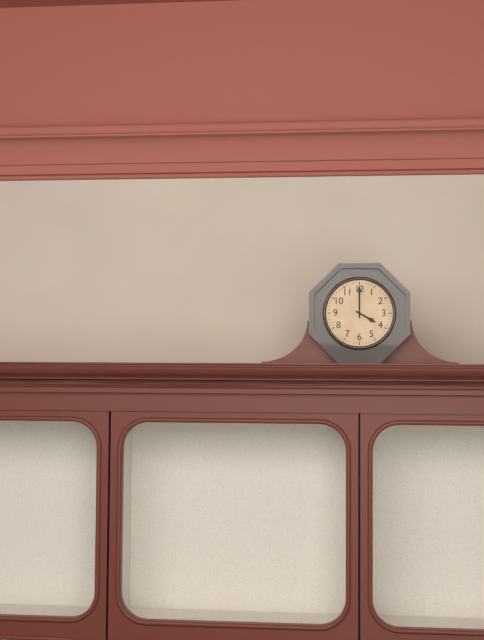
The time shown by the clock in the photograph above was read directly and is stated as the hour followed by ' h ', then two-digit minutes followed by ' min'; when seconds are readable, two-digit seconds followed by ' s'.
4 h 00 min
